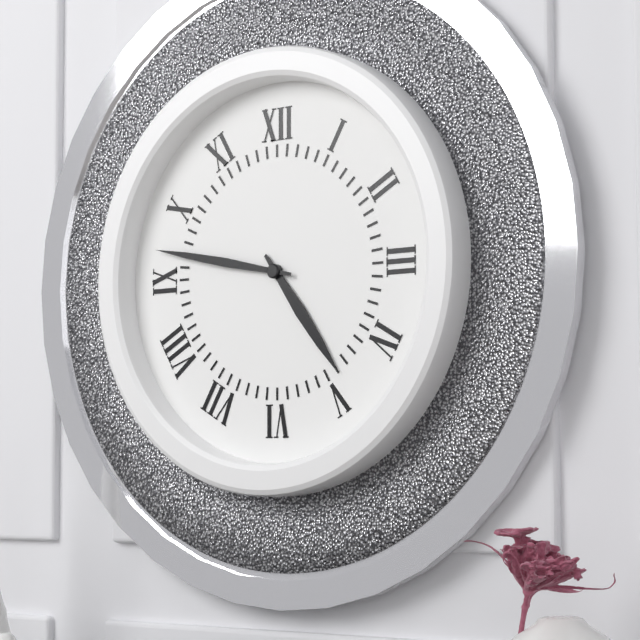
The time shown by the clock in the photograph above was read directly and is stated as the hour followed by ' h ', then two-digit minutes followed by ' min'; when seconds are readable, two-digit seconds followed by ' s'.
4 h 47 min
